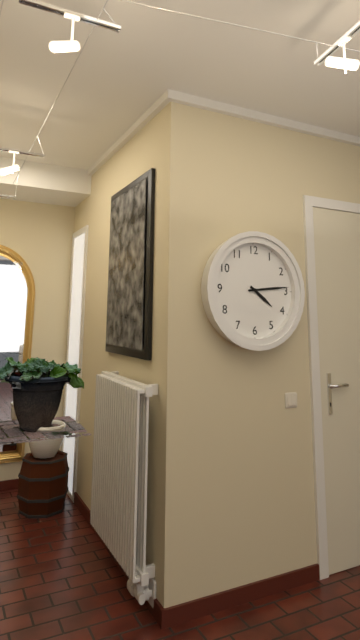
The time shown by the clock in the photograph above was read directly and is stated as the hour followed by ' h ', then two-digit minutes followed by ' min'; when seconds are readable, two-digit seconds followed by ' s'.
4 h 14 min
